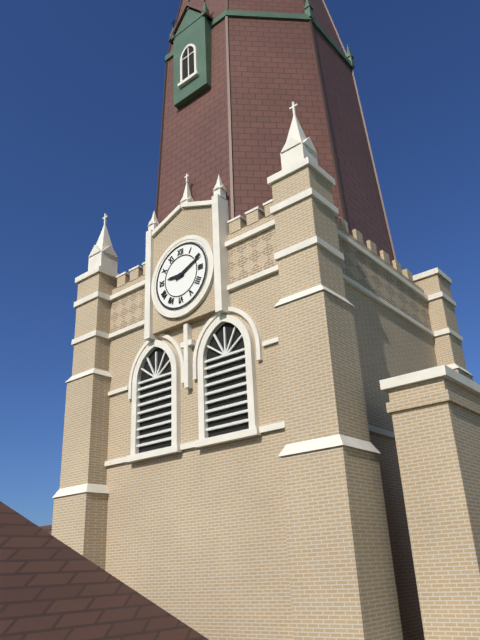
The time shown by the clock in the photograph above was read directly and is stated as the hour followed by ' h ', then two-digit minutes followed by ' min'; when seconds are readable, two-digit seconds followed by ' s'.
9 h 11 min
